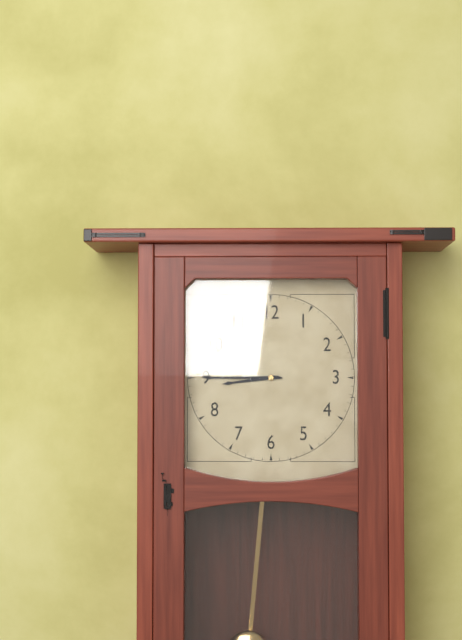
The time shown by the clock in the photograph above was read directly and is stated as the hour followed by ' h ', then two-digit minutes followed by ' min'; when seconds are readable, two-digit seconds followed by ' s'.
8 h 45 min
